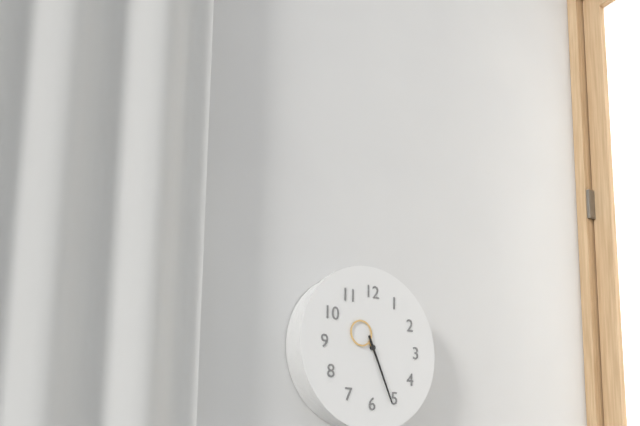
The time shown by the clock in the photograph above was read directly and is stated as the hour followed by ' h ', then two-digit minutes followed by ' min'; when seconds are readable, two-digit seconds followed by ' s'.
10 h 26 min
